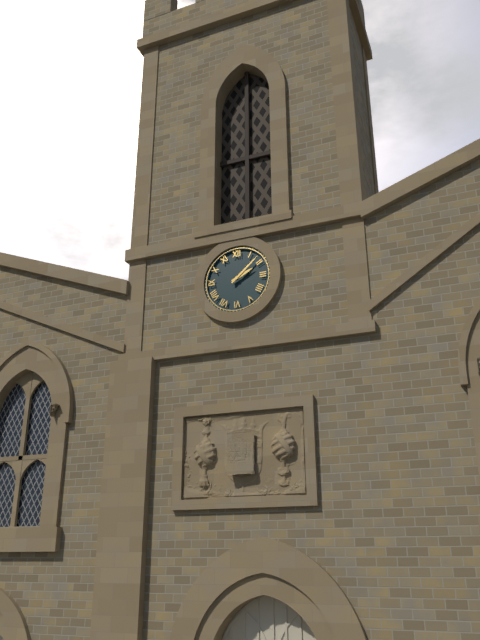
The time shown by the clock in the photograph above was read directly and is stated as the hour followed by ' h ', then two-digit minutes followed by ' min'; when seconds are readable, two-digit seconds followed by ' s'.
2 h 08 min
